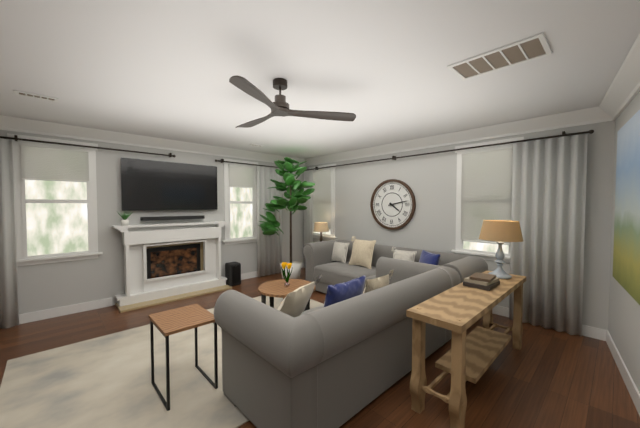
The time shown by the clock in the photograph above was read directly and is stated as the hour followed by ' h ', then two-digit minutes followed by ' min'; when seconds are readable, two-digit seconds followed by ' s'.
4 h 13 min
